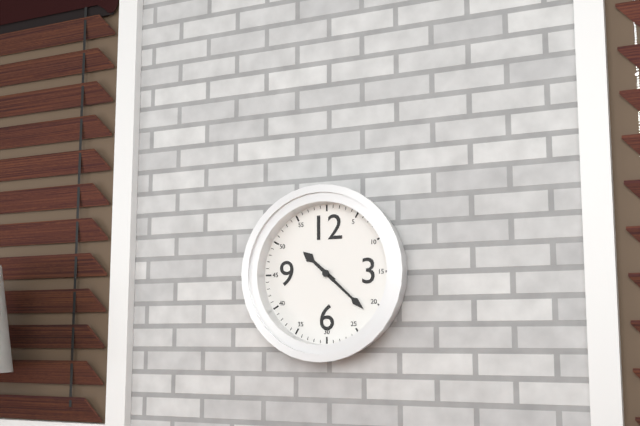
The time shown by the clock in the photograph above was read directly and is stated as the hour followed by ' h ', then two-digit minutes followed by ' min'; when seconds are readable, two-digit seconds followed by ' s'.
10 h 22 min
